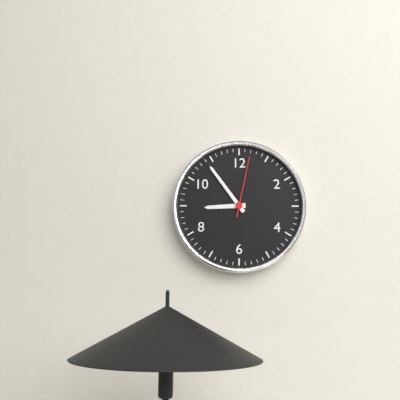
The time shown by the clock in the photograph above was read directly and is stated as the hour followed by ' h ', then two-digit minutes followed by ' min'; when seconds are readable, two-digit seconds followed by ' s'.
8 h 54 min 02 s
